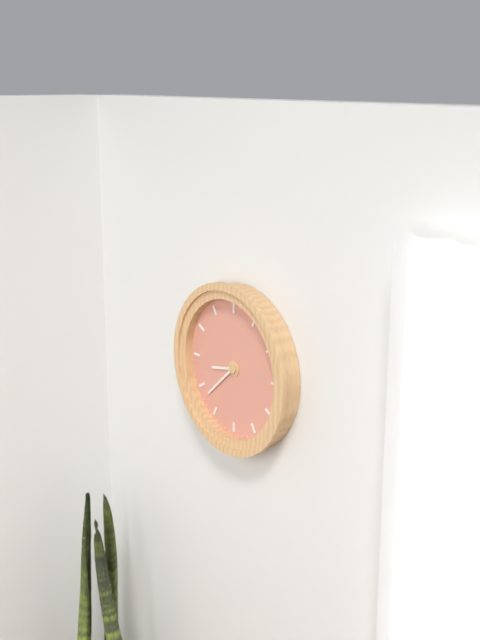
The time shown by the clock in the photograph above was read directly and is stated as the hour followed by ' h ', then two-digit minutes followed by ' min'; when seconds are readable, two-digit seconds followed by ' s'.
8 h 38 min
